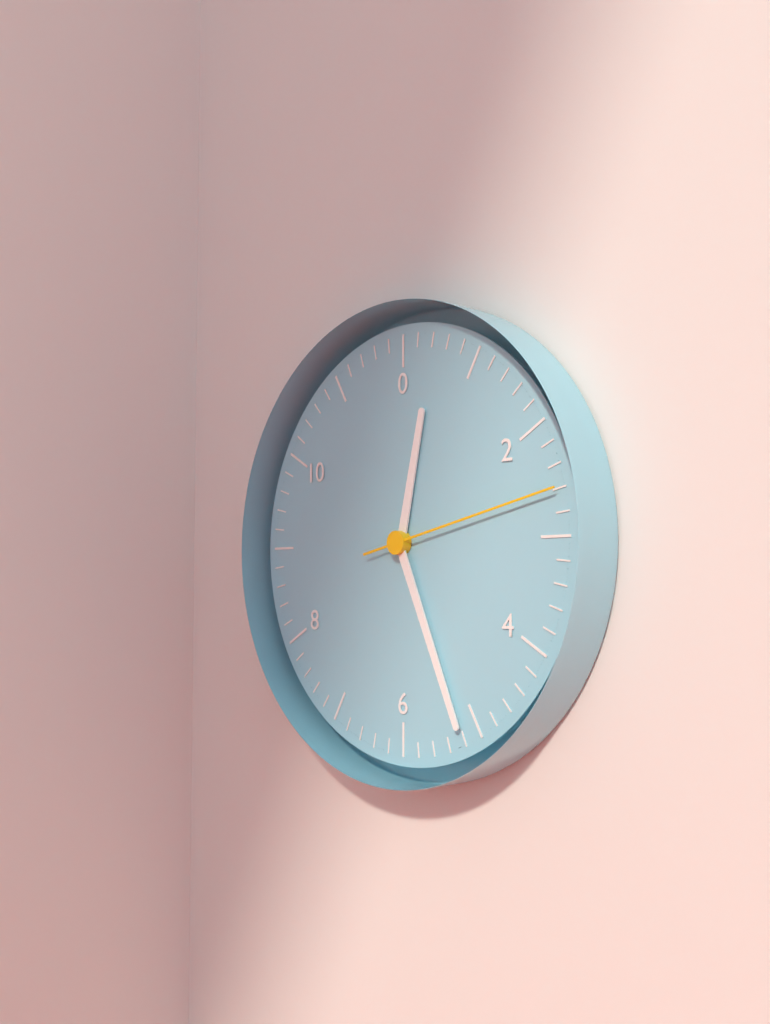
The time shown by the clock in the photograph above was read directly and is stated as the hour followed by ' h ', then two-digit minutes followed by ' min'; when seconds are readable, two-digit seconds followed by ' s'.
12 h 26 min 13 s
